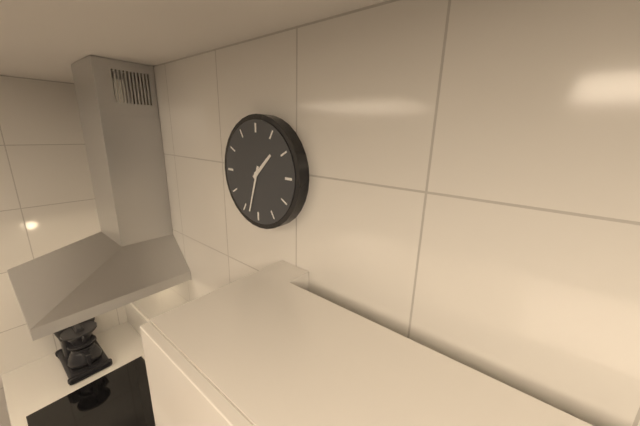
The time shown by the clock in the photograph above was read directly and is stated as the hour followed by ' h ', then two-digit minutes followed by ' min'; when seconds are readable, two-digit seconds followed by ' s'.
1 h 33 min
